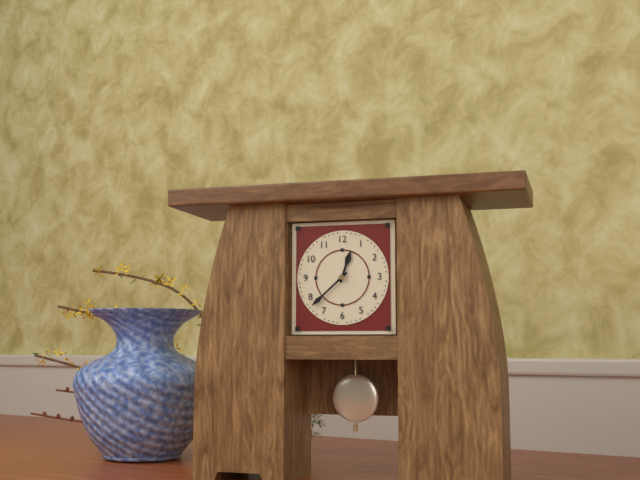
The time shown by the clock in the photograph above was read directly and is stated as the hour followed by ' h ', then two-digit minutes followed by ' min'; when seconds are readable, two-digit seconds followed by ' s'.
12 h 38 min
